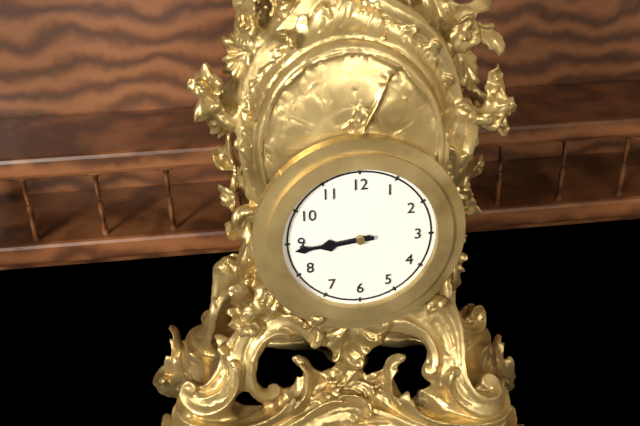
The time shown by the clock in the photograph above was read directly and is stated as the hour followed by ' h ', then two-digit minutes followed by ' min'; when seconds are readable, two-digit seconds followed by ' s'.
8 h 44 min
